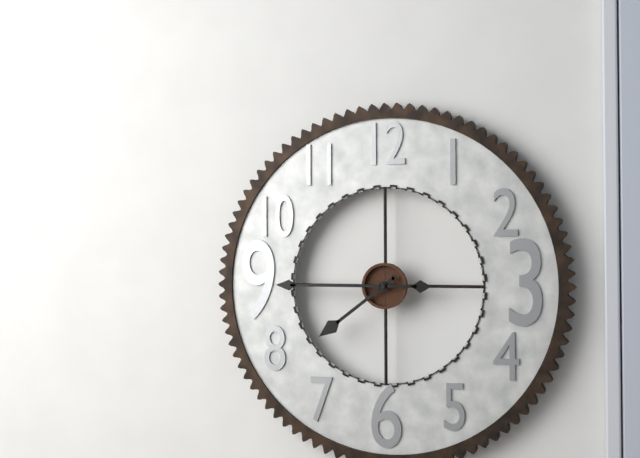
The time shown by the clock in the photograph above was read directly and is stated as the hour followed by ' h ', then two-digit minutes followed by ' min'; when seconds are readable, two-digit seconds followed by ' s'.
7 h 45 min
